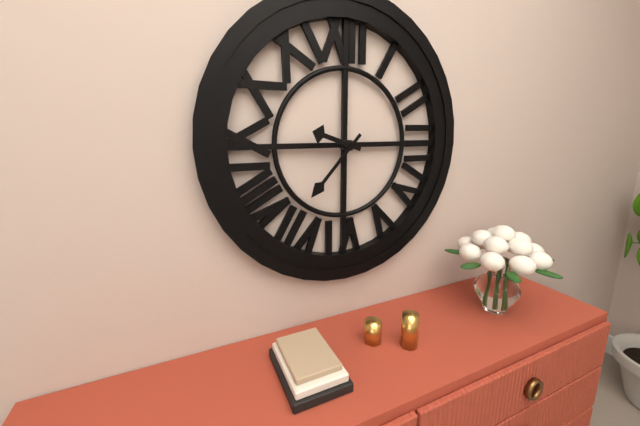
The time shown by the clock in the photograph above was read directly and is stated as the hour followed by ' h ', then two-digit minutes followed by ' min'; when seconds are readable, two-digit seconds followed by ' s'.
9 h 37 min
